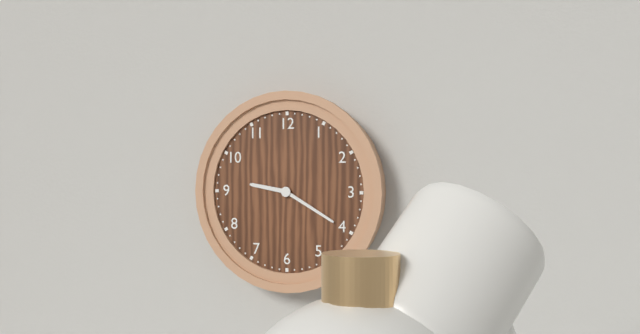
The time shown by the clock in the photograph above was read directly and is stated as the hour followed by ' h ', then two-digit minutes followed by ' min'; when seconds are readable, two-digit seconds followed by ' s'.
9 h 20 min
